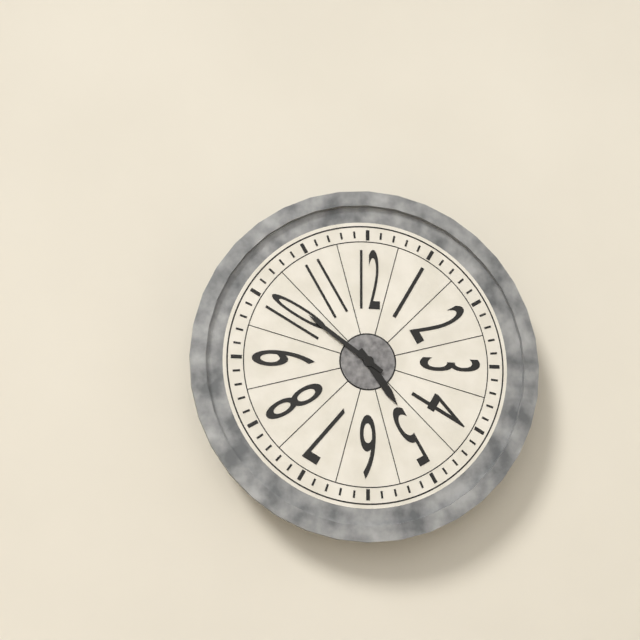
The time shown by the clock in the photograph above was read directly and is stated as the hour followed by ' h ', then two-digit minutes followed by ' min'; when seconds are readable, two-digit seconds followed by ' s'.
4 h 51 min
